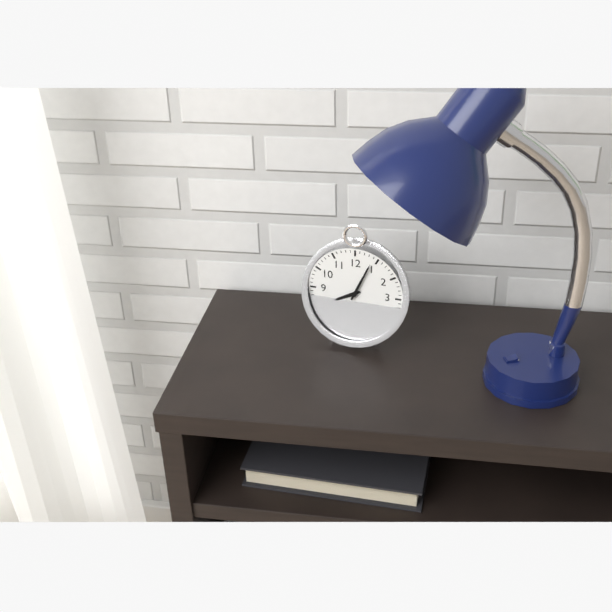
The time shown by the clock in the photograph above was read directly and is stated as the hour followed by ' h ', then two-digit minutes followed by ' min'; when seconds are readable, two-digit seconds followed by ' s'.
8 h 04 min
